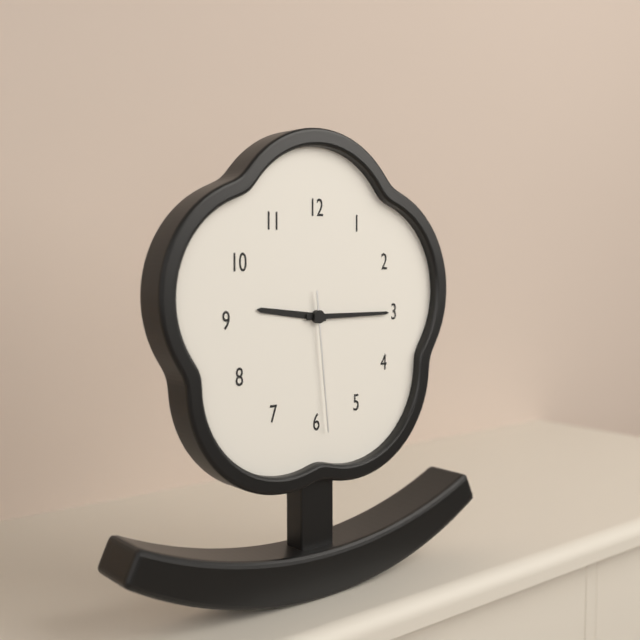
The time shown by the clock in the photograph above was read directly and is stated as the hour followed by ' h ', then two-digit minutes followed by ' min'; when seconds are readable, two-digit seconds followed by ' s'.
9 h 15 min 29 s
